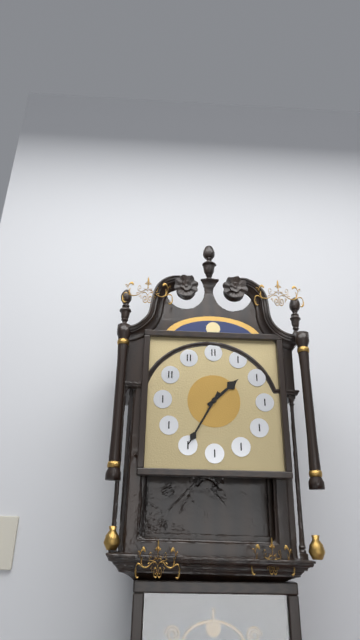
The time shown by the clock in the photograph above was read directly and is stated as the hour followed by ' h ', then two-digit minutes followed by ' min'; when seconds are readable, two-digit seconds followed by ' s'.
1 h 35 min
